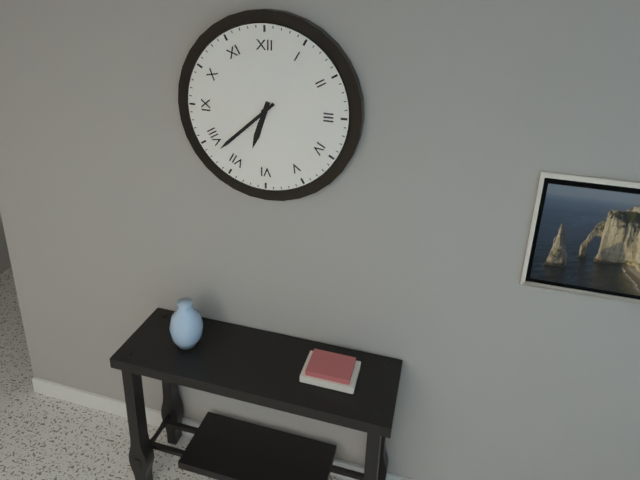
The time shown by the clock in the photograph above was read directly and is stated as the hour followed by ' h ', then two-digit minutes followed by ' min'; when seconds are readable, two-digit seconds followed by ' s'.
6 h 38 min
